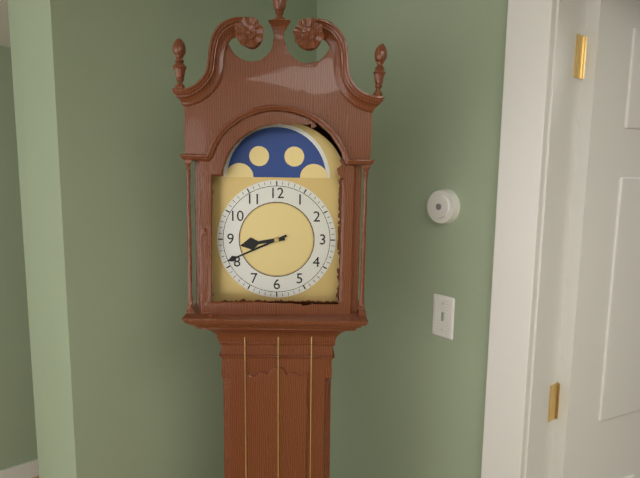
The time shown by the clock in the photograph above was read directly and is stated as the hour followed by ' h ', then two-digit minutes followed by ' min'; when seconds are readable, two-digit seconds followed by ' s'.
8 h 41 min
